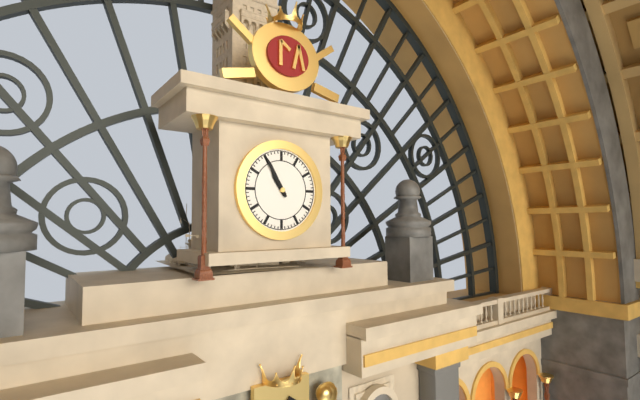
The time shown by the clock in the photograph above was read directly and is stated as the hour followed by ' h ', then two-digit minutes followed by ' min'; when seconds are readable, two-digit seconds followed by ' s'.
10 h 55 min
